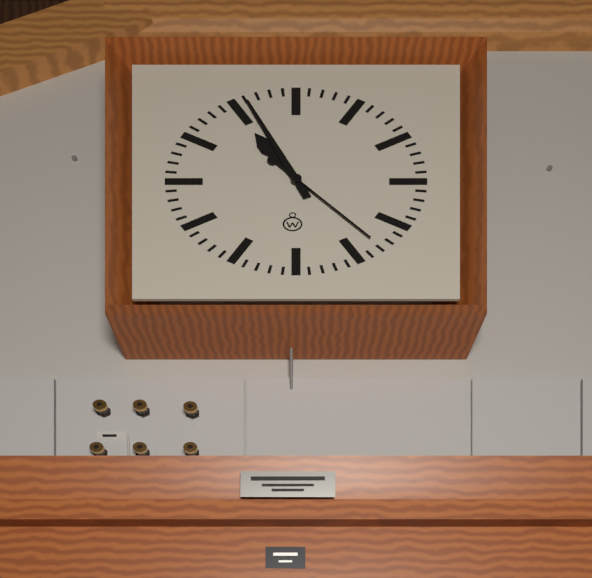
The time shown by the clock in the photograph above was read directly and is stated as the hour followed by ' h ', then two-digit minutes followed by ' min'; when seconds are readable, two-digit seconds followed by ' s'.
10 h 56 min 23 s
